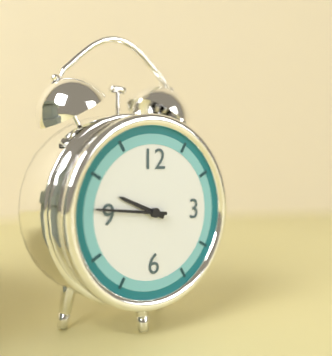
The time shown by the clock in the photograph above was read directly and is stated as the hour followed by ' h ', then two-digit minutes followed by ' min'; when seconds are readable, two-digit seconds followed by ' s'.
9 h 46 min
